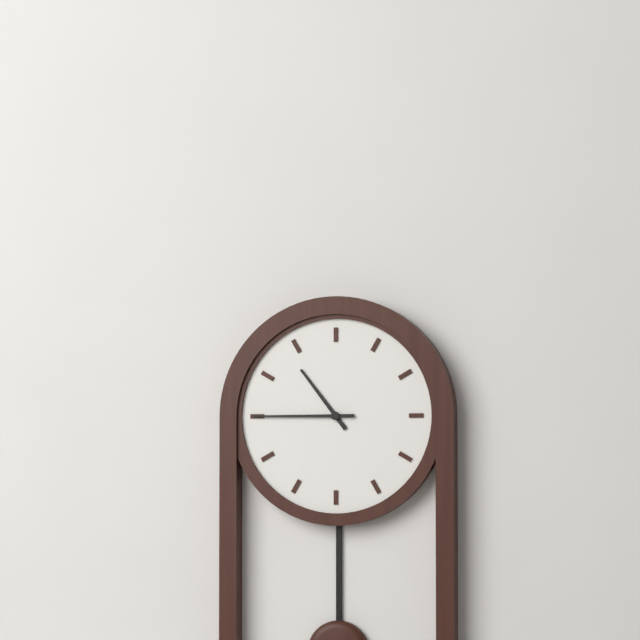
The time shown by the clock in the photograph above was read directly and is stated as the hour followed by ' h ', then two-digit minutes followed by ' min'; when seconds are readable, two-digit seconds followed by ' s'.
10 h 45 min
